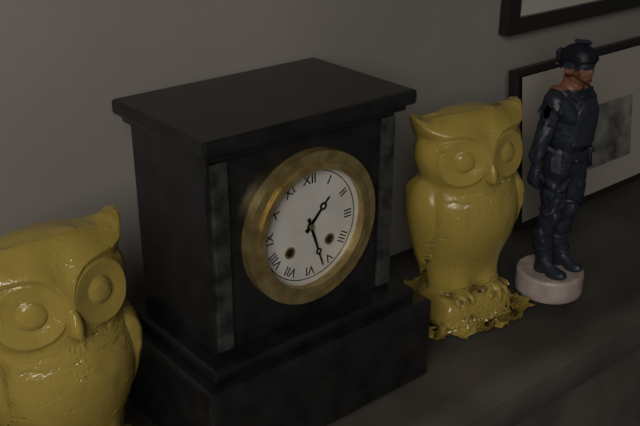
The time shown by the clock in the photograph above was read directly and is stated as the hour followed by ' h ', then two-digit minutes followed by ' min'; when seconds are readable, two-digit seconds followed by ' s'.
1 h 27 min
